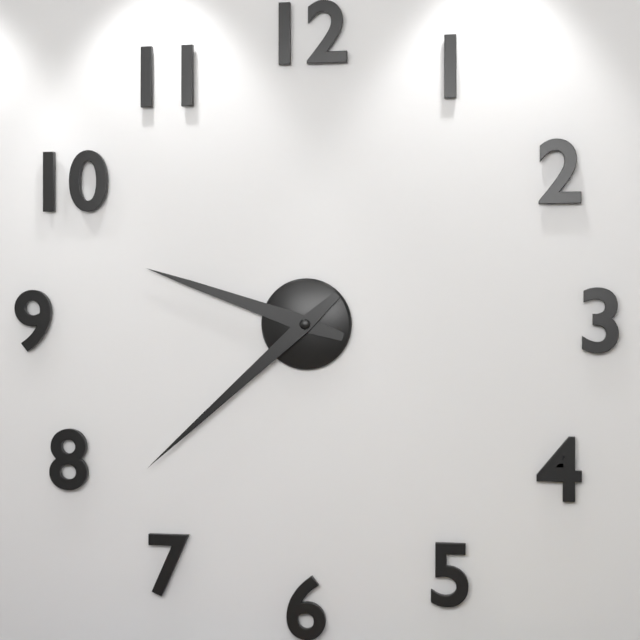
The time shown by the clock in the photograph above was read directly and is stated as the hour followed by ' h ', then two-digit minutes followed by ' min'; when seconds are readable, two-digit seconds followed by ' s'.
9 h 38 min
